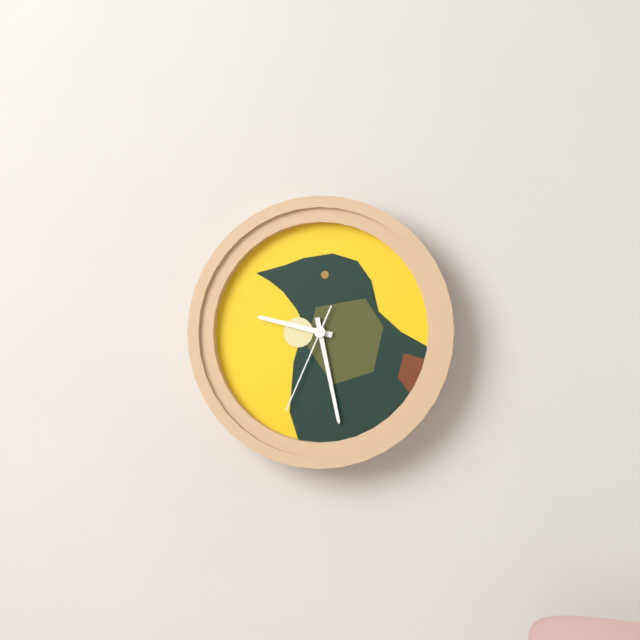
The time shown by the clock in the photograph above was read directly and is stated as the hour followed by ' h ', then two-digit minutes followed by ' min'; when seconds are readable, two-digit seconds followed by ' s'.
9 h 28 min 34 s
